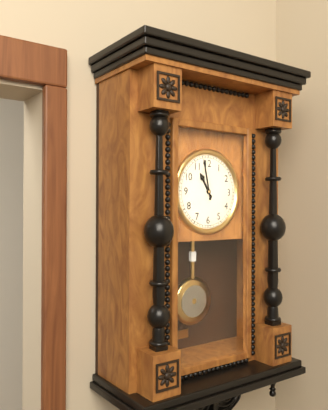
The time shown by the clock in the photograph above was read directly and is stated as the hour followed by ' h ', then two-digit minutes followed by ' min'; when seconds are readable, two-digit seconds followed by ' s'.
10 h 58 min
